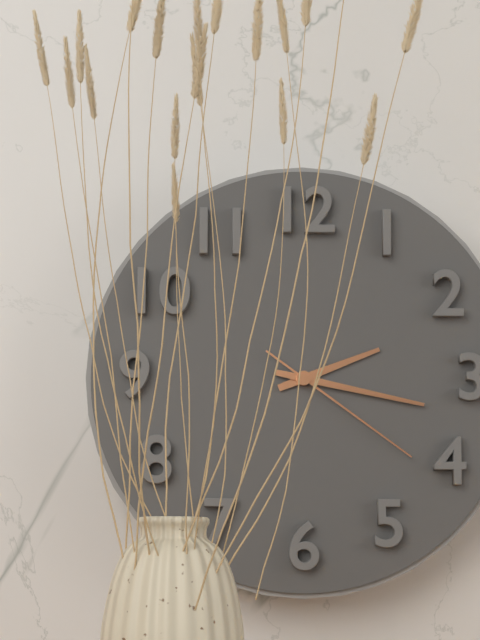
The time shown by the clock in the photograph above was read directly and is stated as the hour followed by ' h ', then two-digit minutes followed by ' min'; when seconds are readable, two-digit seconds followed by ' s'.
2 h 17 min 21 s
